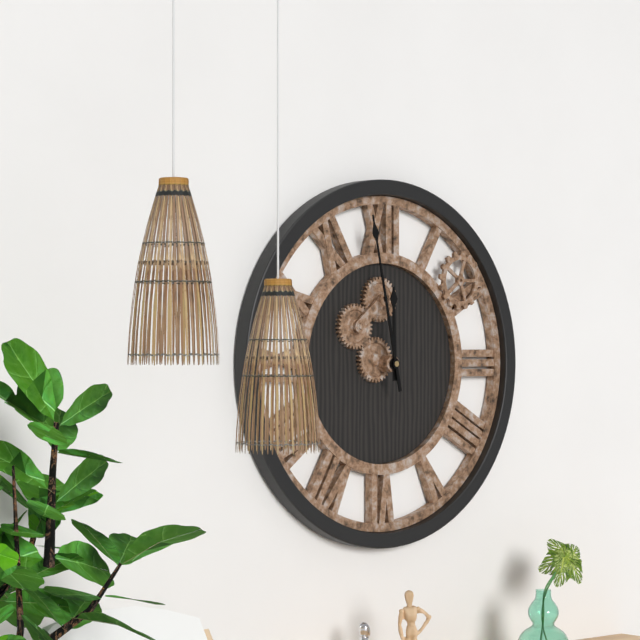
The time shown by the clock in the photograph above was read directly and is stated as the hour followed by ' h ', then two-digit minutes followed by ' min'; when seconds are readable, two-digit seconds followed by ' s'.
11 h 58 min
